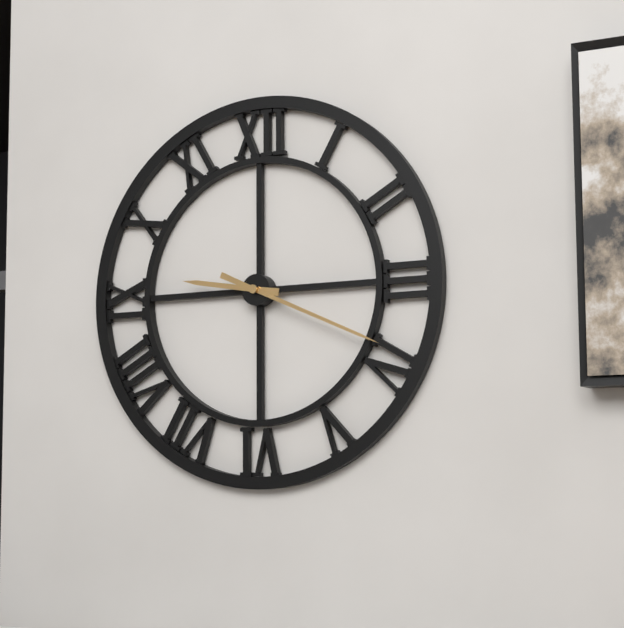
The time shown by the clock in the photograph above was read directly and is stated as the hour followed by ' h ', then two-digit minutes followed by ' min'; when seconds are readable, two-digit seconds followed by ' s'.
9 h 19 min
